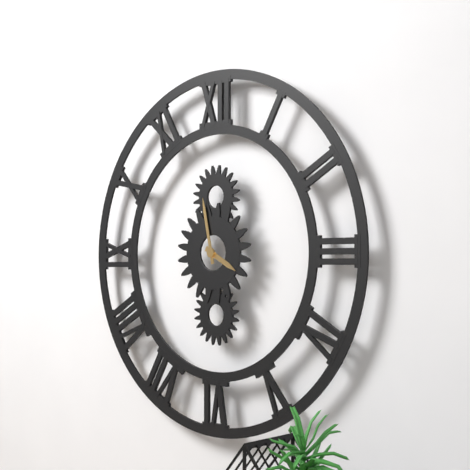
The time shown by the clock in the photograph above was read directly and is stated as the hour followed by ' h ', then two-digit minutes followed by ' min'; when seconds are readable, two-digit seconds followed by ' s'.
3 h 58 min
